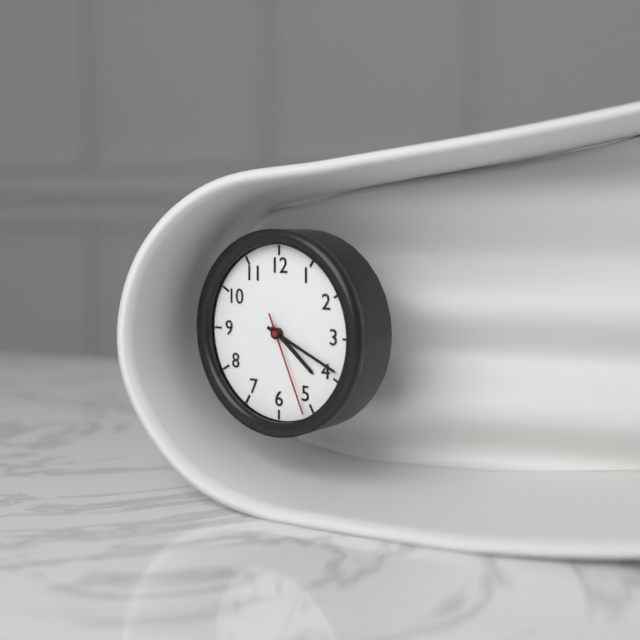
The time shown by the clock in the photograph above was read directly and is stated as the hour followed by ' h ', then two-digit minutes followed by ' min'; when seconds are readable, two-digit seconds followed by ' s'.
4 h 19 min 26 s
